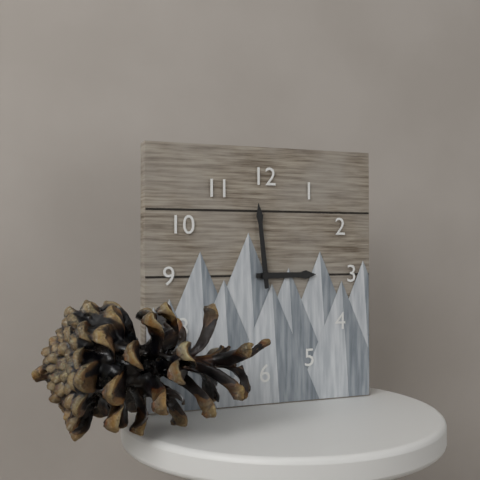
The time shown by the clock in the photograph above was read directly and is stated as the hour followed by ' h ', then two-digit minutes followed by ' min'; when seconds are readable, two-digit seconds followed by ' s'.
2 h 59 min
